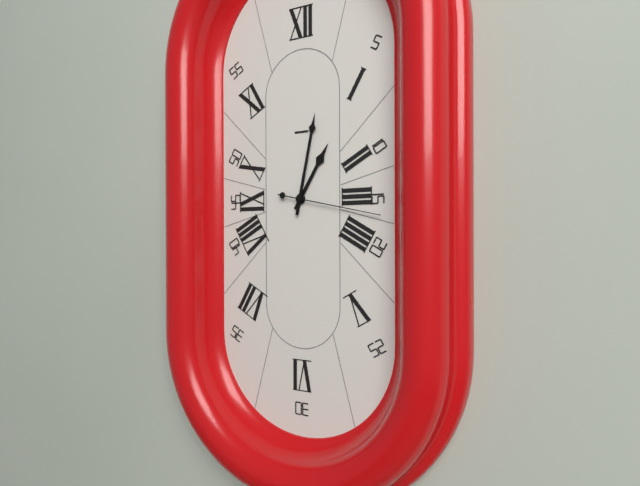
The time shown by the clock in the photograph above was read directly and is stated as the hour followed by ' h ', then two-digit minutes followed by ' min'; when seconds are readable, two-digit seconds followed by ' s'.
1 h 02 min 17 s
